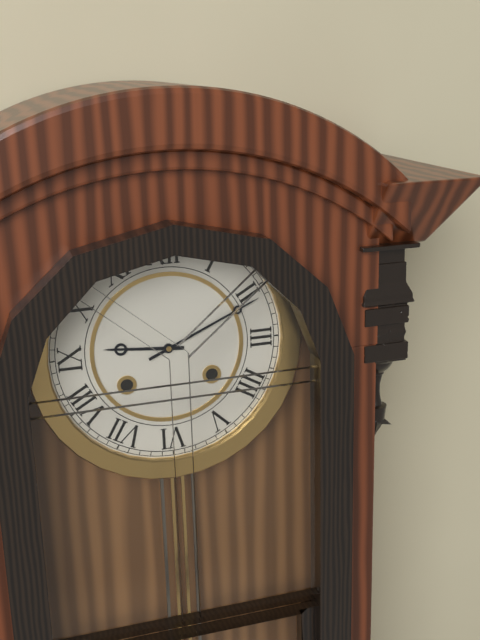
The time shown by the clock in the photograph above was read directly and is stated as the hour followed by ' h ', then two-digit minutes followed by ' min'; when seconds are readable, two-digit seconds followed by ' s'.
9 h 11 min
